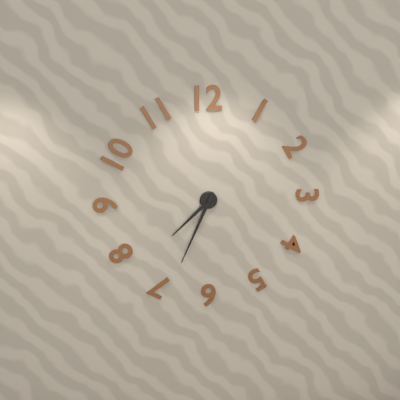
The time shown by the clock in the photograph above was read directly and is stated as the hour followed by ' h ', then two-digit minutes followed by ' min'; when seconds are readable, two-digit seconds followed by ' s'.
7 h 34 min
